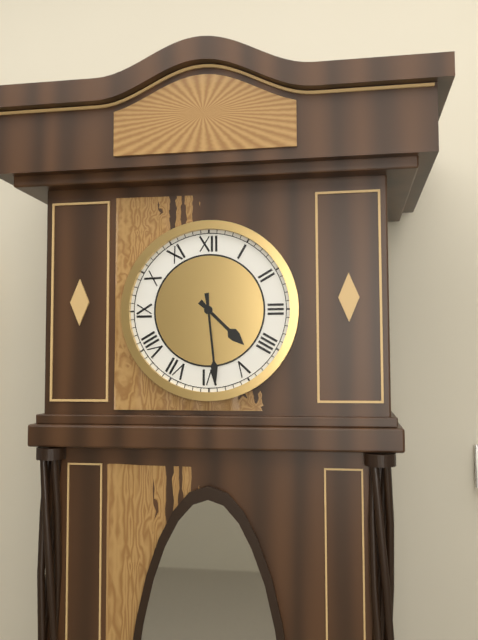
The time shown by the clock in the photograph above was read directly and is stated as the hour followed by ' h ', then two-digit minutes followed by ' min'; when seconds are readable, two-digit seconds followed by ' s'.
4 h 29 min
